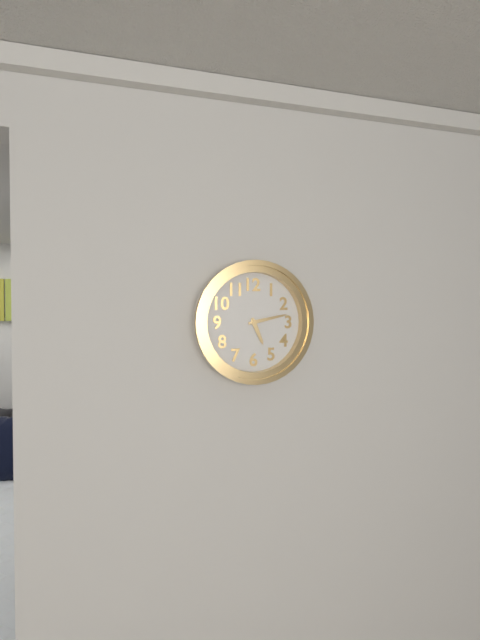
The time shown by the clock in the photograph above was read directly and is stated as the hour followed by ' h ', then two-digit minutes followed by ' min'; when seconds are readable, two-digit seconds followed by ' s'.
5 h 13 min
